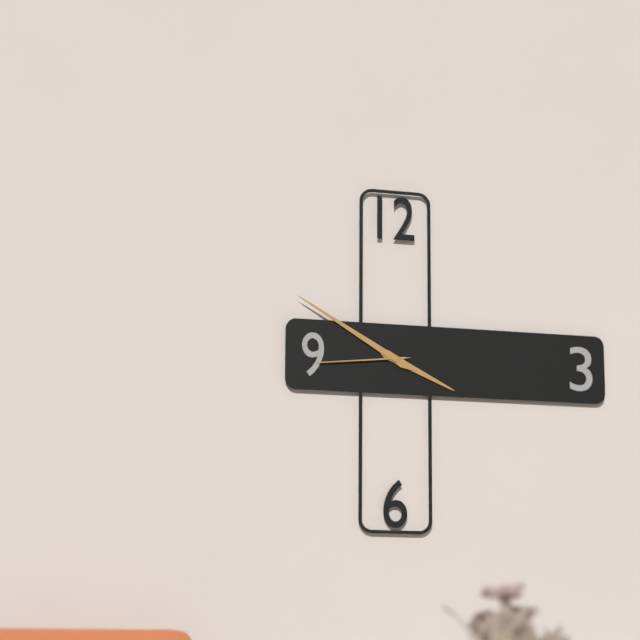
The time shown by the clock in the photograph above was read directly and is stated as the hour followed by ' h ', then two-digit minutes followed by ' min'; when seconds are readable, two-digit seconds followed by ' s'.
3 h 50 min 44 s
